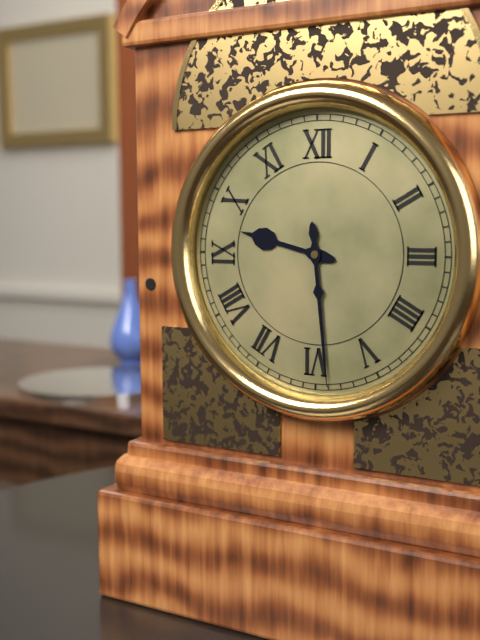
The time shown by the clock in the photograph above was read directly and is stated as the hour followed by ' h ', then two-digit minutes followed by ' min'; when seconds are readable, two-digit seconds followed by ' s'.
9 h 29 min
